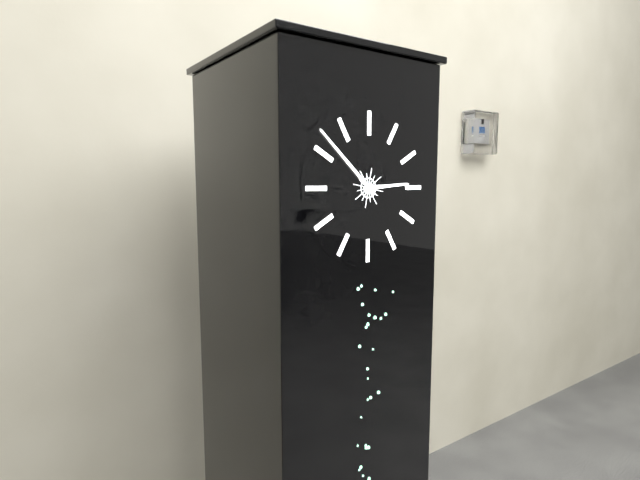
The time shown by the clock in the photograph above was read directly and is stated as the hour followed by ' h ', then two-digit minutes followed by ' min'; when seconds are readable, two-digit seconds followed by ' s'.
2 h 52 min
